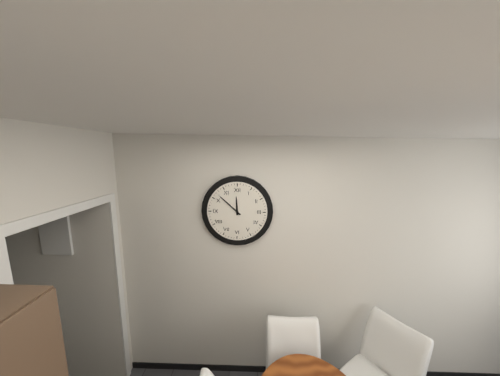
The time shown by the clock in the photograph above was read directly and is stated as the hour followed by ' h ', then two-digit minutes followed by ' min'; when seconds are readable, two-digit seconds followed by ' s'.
11 h 52 min
